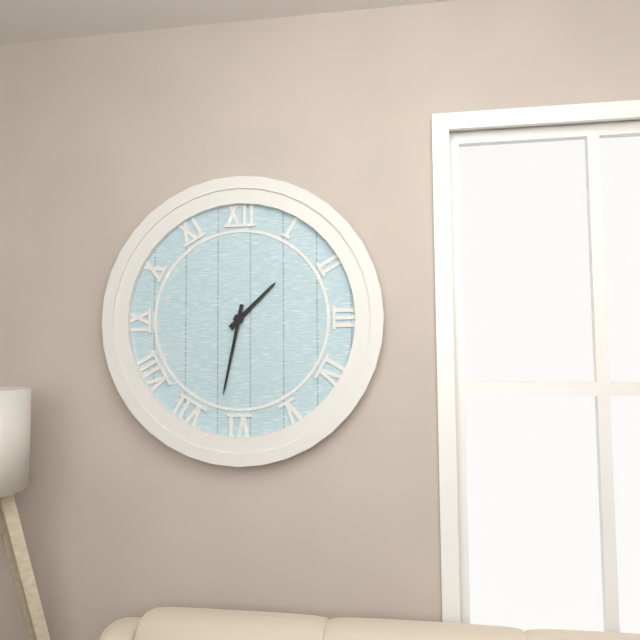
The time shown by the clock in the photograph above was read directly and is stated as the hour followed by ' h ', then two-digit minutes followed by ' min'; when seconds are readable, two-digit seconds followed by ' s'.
1 h 32 min
